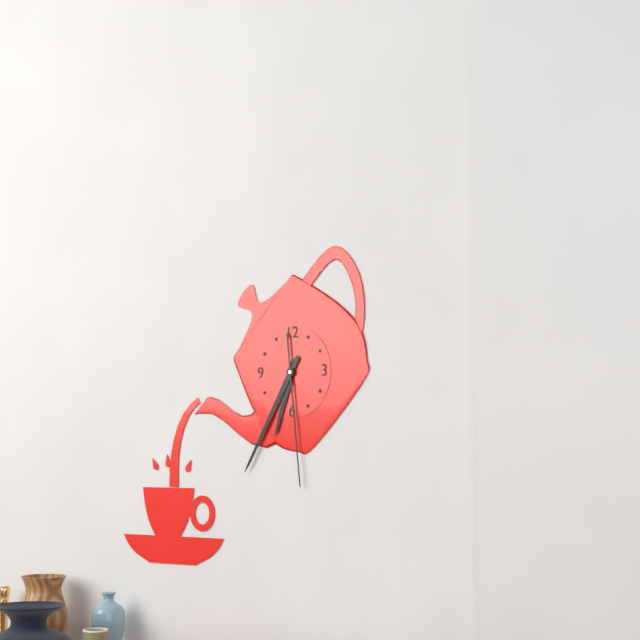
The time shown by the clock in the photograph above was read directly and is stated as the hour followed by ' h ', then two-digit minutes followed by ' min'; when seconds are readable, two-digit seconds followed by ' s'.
6 h 35 min 29 s
